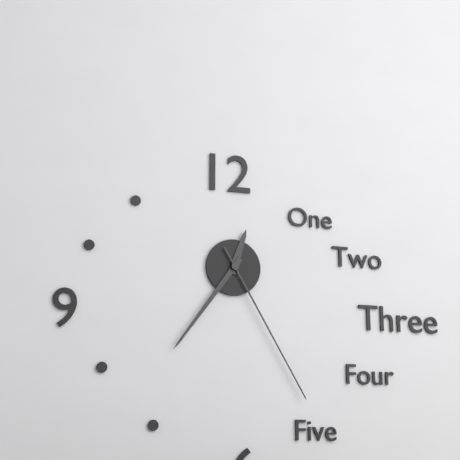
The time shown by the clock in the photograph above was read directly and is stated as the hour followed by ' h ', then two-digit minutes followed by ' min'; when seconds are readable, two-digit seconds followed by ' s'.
12 h 36 min 25 s
